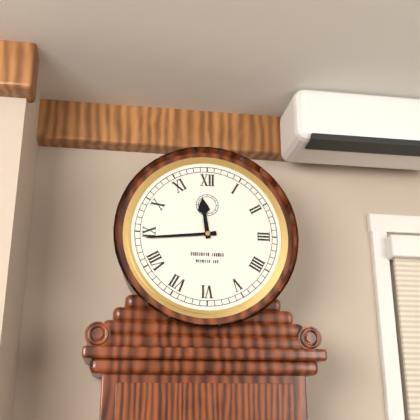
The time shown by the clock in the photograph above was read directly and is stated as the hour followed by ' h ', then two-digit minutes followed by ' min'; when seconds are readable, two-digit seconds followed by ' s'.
11 h 44 min
